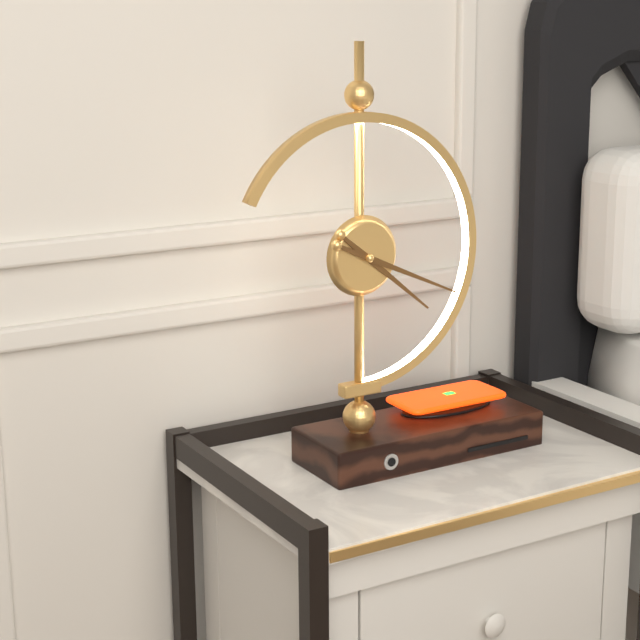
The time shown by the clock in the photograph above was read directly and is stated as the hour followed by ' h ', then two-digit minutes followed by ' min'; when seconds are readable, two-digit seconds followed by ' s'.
4 h 19 min
